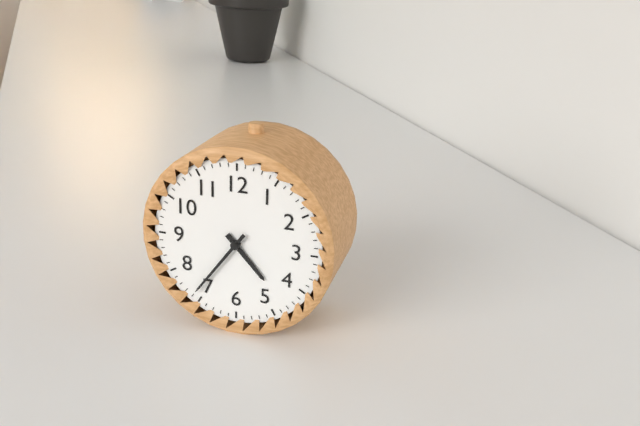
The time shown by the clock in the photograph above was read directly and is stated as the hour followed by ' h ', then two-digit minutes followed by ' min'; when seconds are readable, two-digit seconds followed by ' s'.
4 h 36 min
